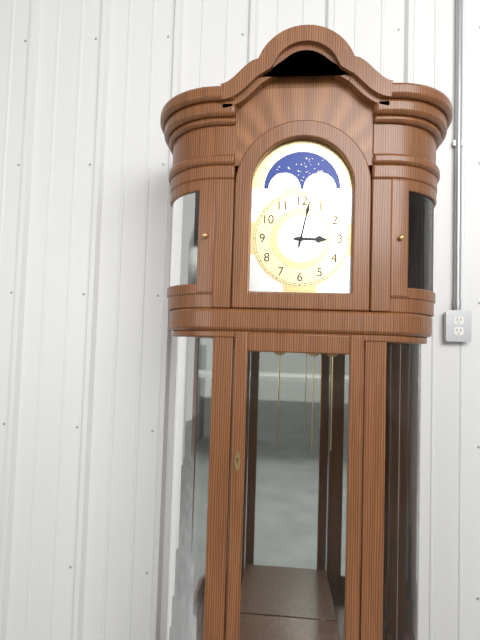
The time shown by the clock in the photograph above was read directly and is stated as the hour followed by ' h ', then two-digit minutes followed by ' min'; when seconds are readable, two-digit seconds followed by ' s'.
3 h 02 min
